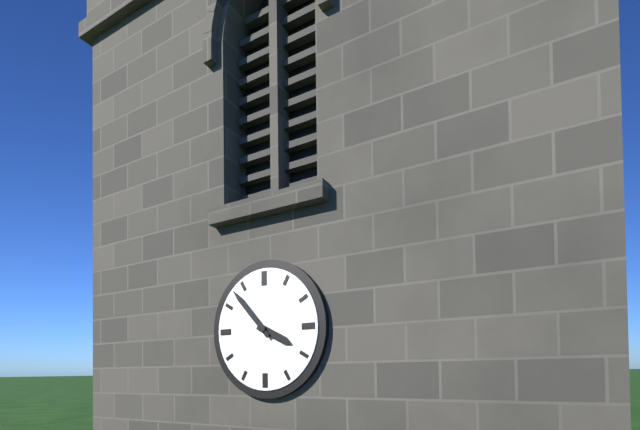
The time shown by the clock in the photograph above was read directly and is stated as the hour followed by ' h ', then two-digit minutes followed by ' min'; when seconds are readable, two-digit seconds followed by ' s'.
3 h 53 min
